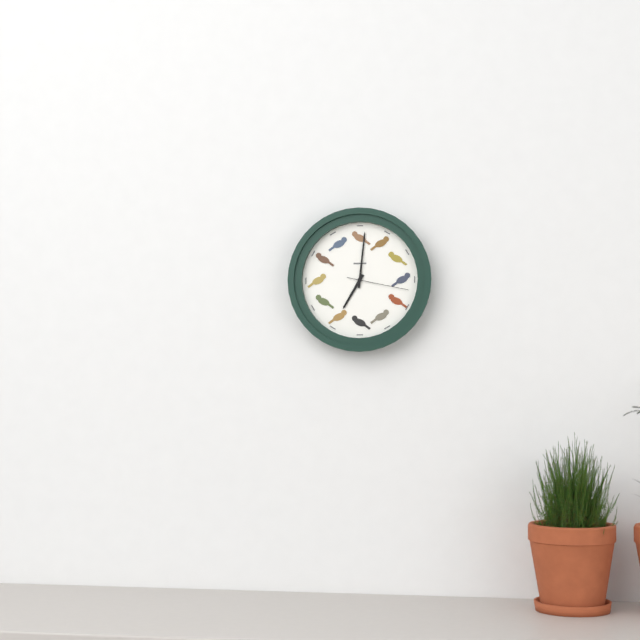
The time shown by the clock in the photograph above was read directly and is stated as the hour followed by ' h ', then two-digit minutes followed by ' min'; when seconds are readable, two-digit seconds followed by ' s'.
7 h 01 min 17 s
